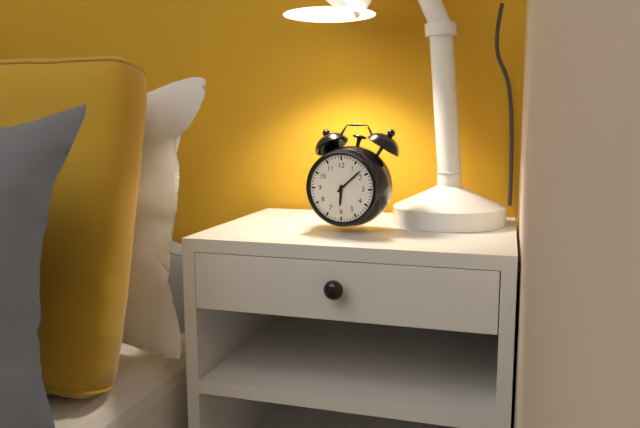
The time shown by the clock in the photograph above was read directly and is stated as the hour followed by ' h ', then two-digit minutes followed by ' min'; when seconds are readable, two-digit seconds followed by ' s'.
6 h 08 min
